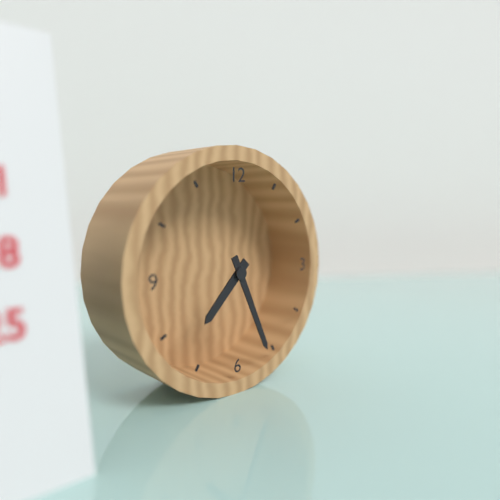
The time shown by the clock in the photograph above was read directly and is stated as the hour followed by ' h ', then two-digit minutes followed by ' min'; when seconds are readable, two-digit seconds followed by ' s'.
7 h 26 min
